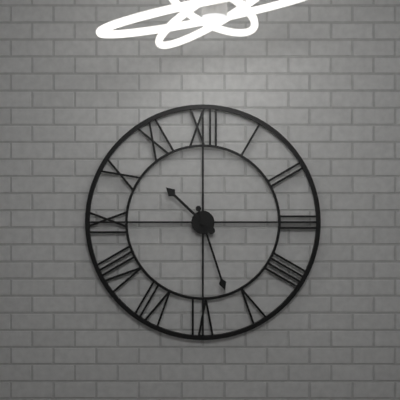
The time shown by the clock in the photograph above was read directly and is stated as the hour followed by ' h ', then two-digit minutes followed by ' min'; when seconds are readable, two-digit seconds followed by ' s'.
10 h 27 min
